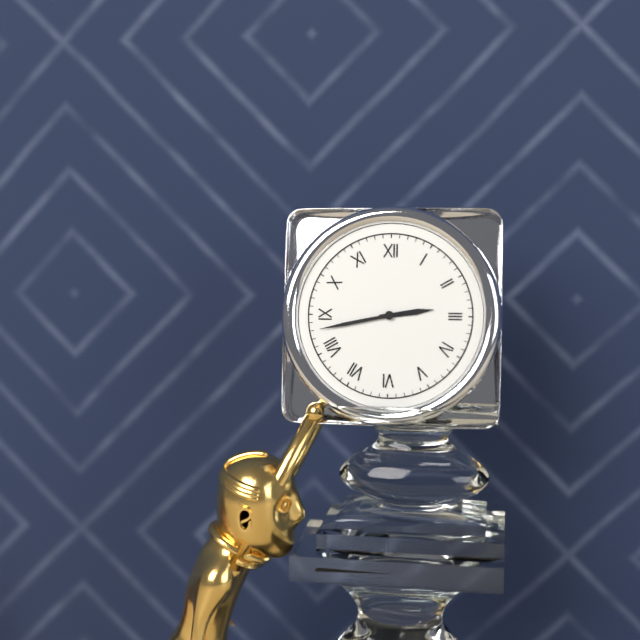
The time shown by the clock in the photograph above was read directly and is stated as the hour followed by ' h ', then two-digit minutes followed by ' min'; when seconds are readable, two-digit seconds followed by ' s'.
2 h 43 min
